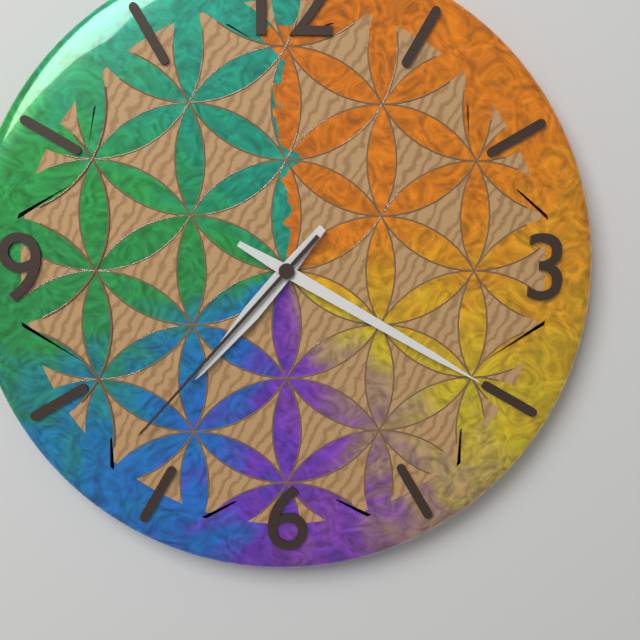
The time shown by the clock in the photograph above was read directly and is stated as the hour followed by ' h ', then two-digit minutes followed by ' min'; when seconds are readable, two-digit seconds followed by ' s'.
7 h 20 min 37 s
